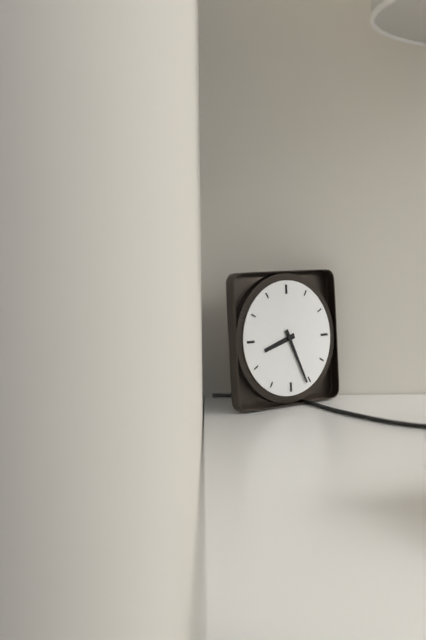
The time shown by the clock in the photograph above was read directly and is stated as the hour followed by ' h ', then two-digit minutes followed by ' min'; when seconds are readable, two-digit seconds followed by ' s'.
8 h 26 min
